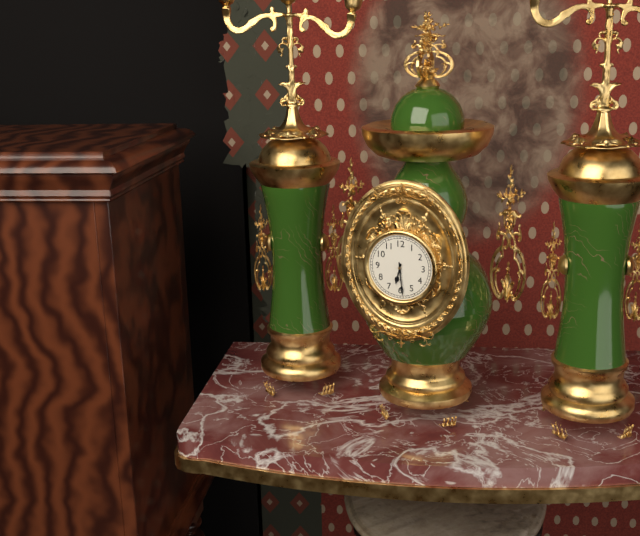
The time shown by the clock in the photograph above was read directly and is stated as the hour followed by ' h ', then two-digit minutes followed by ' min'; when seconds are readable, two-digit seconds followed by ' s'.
6 h 29 min
